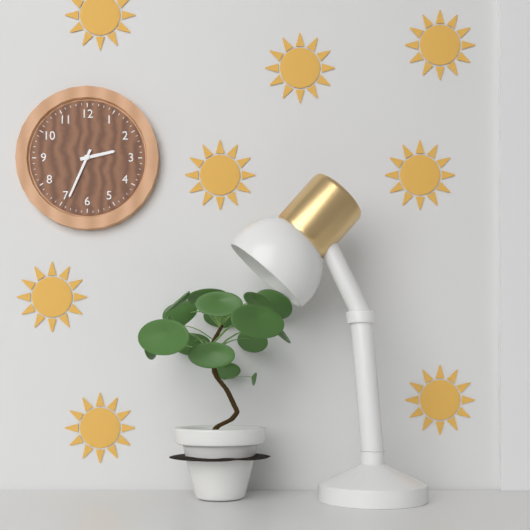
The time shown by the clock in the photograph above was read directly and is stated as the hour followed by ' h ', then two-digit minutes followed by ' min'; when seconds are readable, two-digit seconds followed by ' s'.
2 h 34 min
